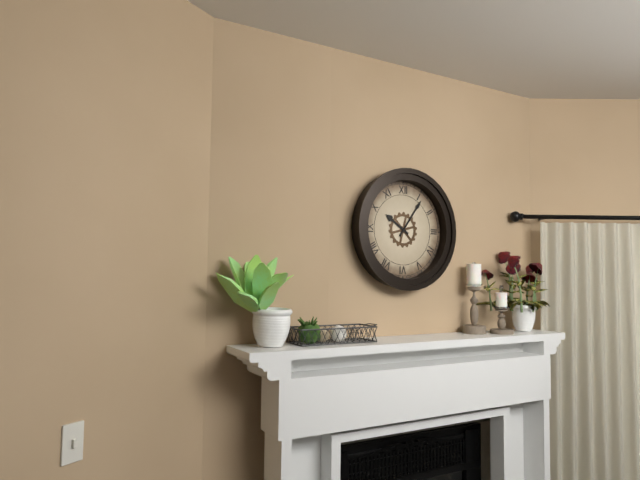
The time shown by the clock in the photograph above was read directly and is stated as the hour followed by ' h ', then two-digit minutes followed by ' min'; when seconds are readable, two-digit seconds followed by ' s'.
10 h 06 min
